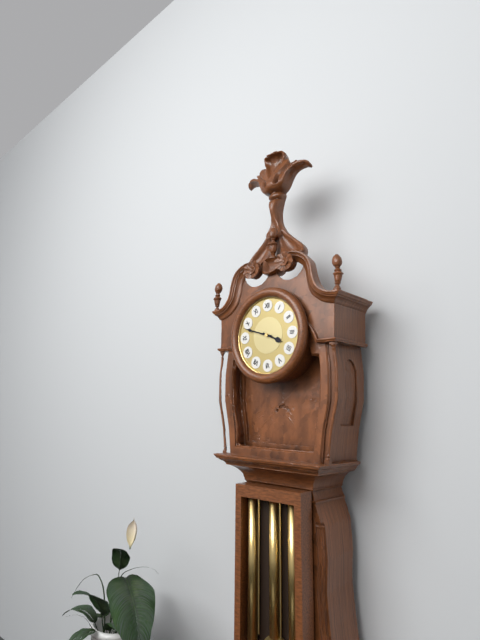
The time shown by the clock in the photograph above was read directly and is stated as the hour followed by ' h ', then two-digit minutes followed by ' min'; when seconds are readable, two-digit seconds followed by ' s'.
3 h 48 min
